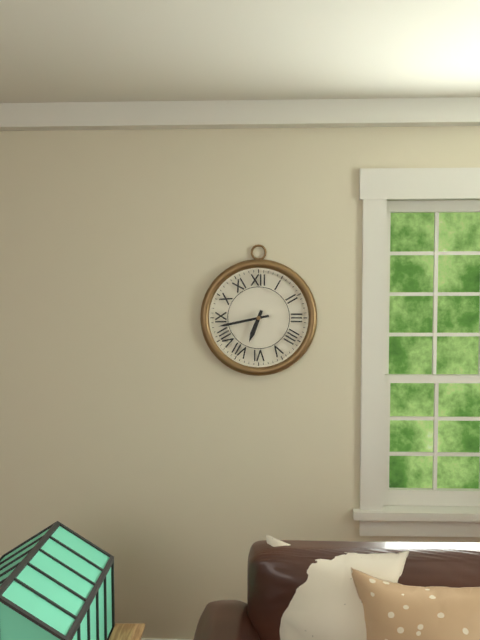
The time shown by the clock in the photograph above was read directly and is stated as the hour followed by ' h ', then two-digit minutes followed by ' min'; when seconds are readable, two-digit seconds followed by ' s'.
6 h 43 min
